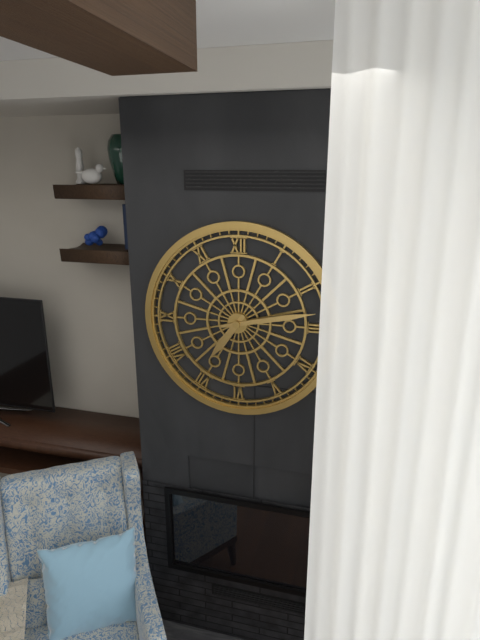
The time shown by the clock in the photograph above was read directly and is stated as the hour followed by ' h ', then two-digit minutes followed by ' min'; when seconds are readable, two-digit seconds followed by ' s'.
7 h 13 min
